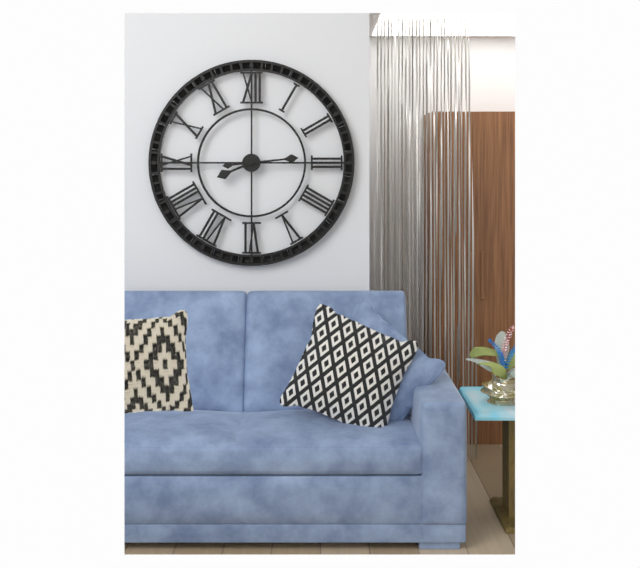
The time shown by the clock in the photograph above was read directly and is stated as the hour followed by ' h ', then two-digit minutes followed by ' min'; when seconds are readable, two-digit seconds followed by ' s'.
8 h 14 min
